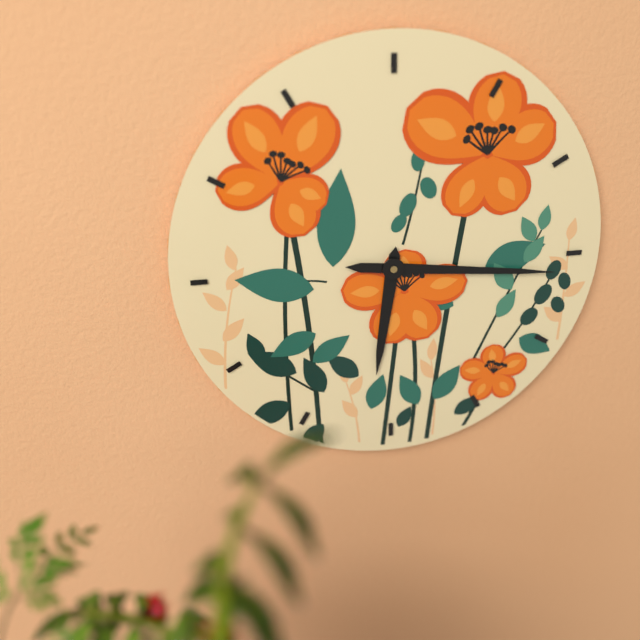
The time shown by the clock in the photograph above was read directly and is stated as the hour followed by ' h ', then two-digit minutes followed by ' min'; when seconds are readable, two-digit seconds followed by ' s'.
6 h 16 min
